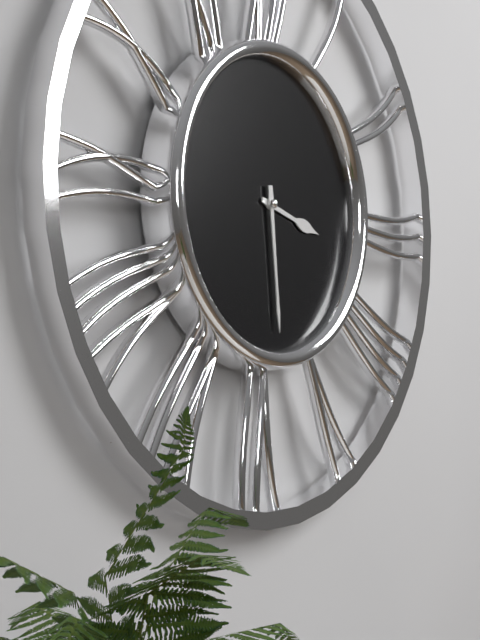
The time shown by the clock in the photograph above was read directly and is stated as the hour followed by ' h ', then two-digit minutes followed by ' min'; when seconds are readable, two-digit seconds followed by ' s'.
3 h 29 min
